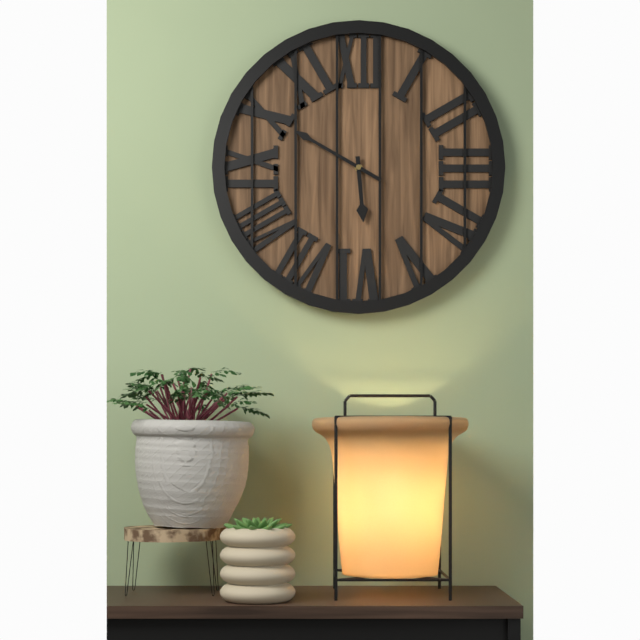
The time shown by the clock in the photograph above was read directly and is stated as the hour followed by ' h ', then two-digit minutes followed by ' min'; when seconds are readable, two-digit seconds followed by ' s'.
5 h 50 min
